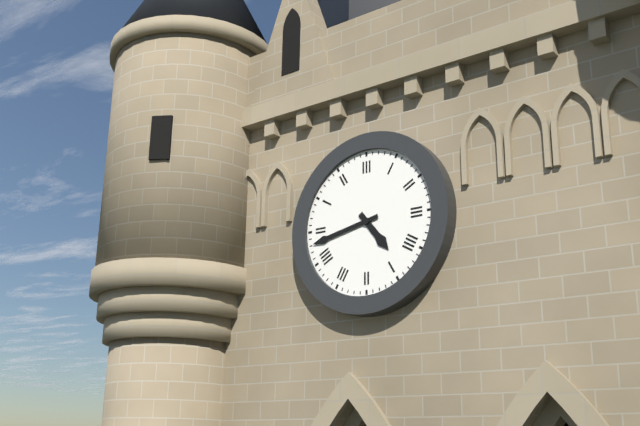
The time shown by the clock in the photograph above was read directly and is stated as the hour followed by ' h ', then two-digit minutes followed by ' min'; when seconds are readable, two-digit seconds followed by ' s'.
4 h 43 min
